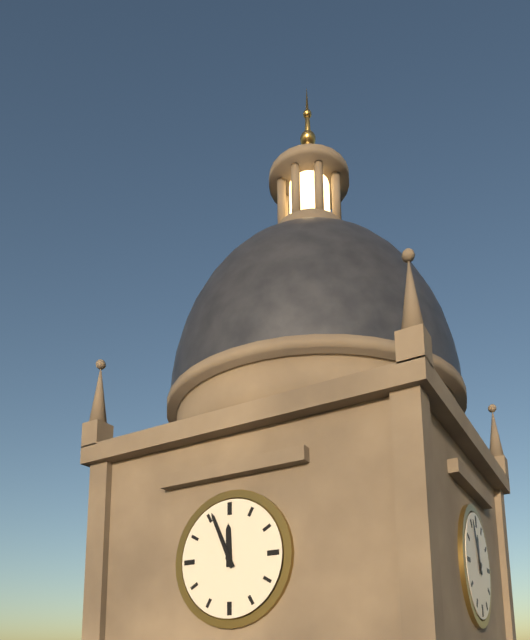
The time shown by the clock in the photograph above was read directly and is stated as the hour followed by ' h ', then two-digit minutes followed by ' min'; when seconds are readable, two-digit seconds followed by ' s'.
11 h 56 min
